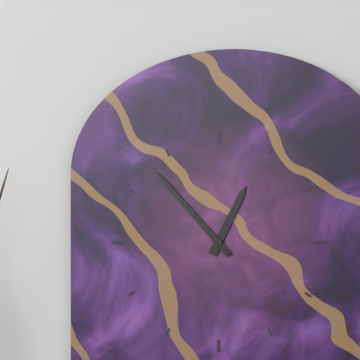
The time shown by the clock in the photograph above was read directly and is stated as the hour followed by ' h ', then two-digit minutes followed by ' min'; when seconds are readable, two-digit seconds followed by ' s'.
12 h 53 min
